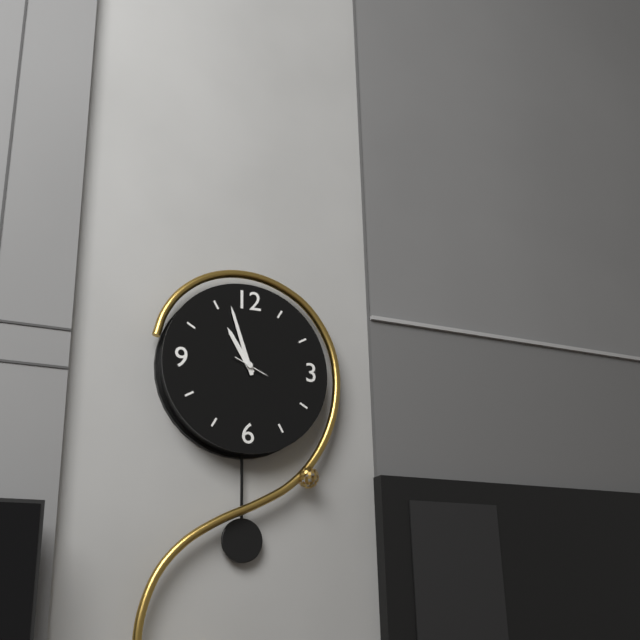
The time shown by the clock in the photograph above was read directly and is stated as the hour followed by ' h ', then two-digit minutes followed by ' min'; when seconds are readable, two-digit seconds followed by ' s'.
10 h 57 min
